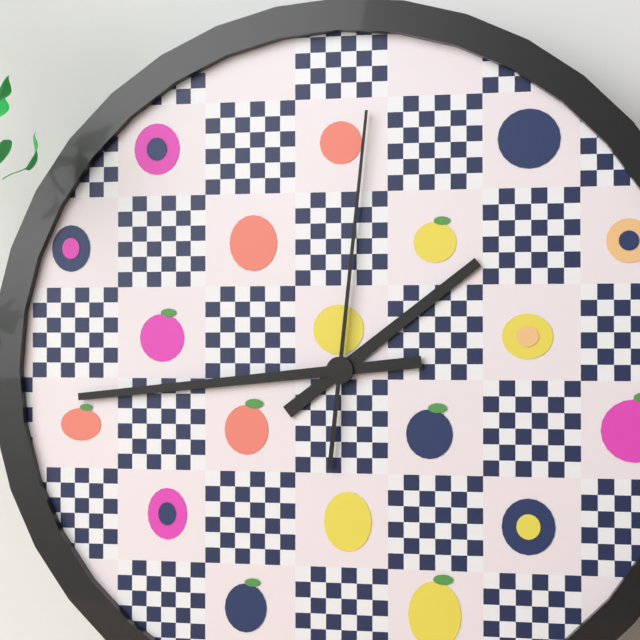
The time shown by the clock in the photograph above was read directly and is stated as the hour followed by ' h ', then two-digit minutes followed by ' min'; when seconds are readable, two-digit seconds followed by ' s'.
1 h 44 min 01 s
